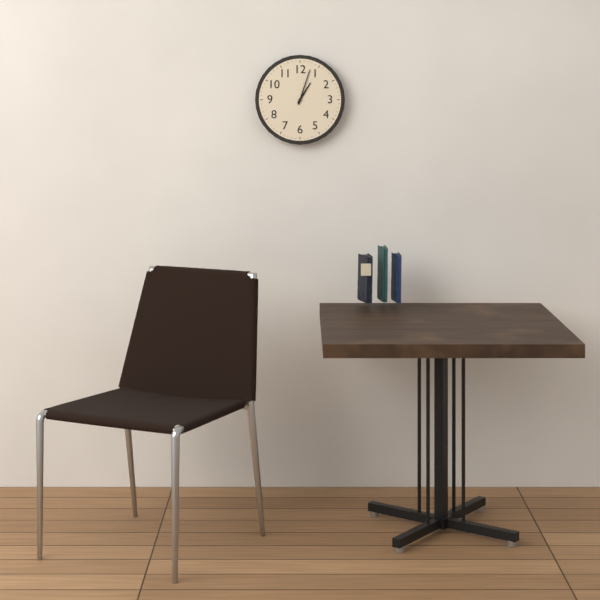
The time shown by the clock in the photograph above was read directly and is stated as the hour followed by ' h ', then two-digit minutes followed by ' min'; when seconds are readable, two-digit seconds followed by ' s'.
1 h 03 min
